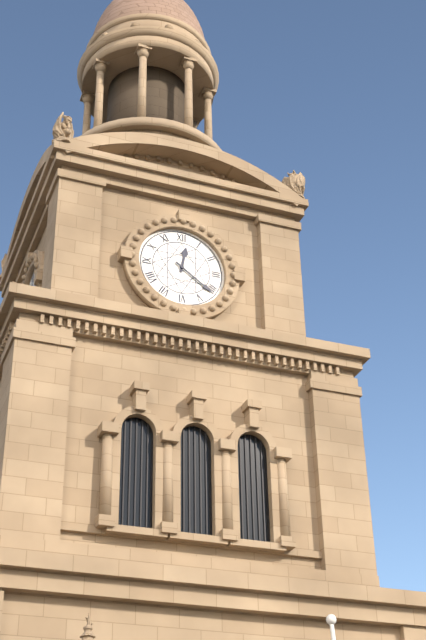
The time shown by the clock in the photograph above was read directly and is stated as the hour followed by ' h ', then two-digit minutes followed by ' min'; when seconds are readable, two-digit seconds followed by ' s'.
12 h 21 min
